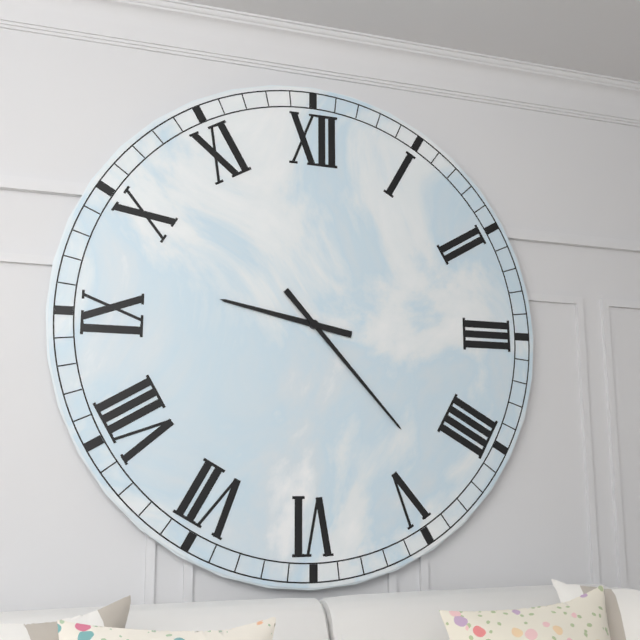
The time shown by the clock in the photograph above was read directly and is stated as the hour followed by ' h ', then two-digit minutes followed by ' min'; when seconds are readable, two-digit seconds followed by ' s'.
9 h 23 min
